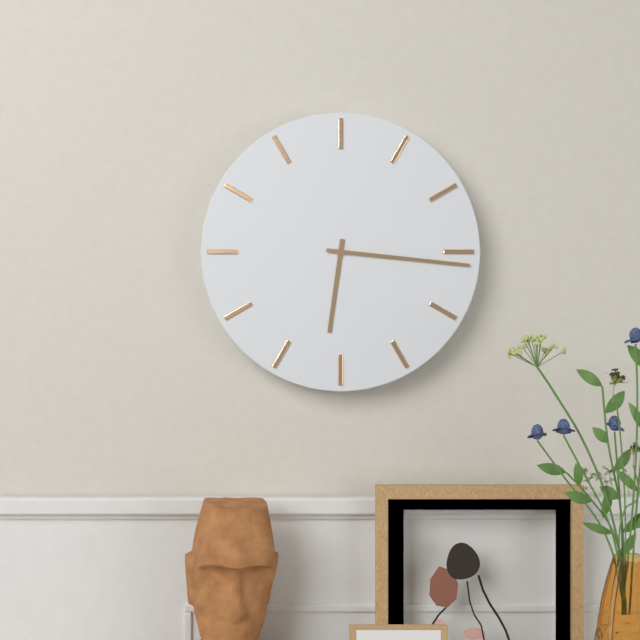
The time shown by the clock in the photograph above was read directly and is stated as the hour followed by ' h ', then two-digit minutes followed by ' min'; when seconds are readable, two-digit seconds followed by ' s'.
6 h 16 min
